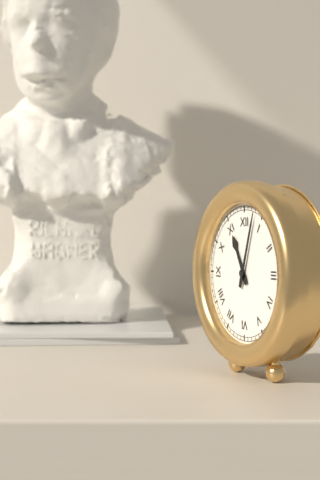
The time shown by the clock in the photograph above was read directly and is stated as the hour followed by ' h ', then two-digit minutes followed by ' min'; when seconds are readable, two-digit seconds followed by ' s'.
11 h 03 min
